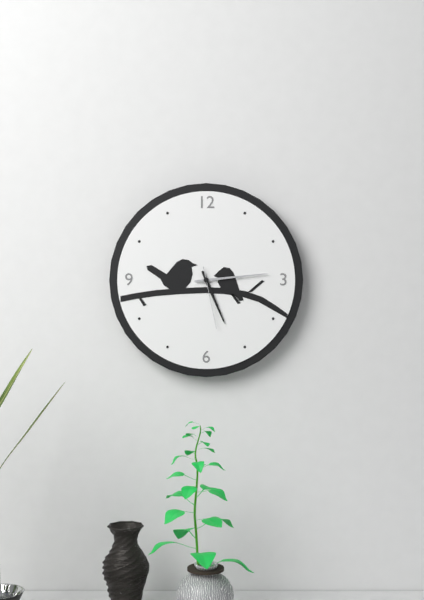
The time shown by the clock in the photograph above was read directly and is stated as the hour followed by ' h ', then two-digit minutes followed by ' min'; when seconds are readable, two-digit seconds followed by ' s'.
5 h 14 min 28 s
